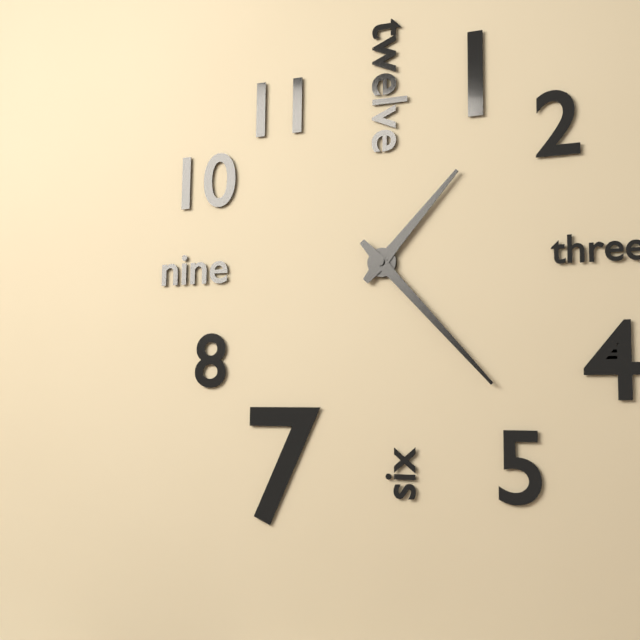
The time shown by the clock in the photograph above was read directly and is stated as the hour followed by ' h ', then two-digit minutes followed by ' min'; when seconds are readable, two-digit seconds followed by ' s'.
1 h 23 min
